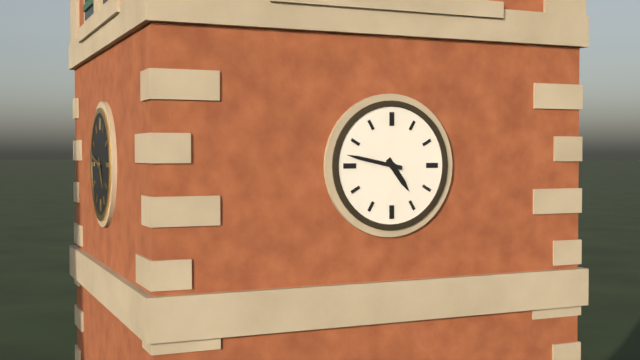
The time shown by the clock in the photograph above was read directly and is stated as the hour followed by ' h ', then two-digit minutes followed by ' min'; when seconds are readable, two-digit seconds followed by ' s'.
4 h 47 min
